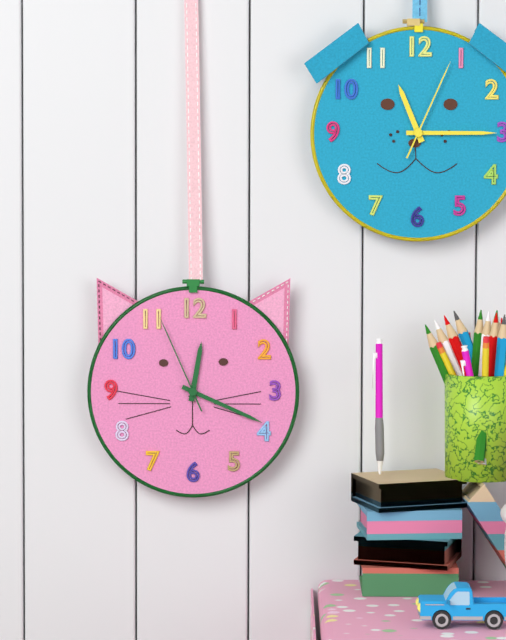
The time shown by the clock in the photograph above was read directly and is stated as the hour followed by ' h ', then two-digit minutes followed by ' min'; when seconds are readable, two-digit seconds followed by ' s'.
12 h 19 min 56 s
